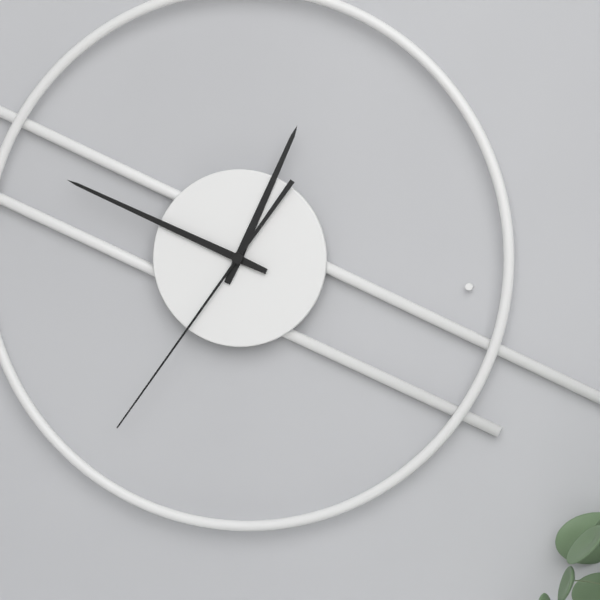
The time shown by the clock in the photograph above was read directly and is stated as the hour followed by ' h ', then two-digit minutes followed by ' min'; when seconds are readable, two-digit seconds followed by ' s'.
12 h 49 min 36 s
